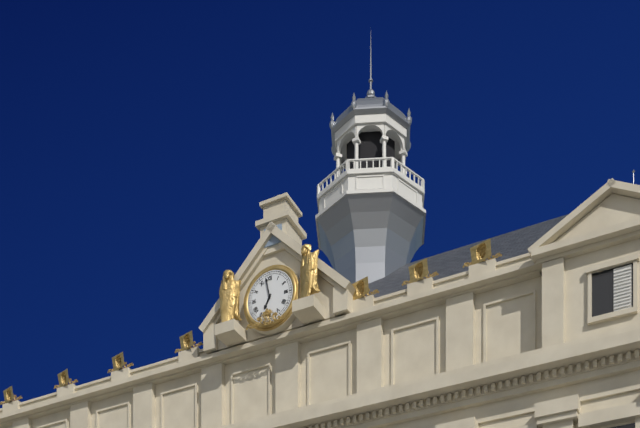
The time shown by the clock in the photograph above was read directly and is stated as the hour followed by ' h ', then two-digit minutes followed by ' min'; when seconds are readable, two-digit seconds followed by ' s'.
6 h 58 min
